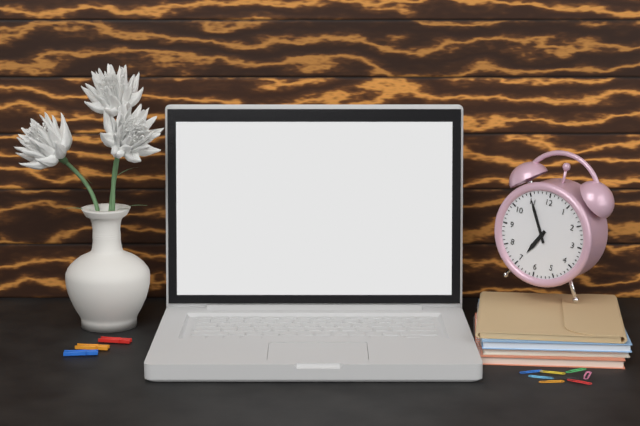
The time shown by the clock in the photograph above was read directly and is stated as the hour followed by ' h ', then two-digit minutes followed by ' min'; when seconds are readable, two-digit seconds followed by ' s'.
6 h 55 min
